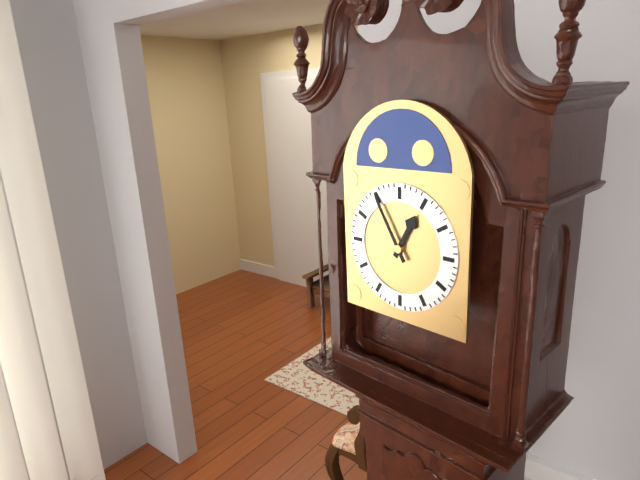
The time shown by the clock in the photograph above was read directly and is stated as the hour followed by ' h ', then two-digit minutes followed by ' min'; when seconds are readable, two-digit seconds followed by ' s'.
12 h 55 min
